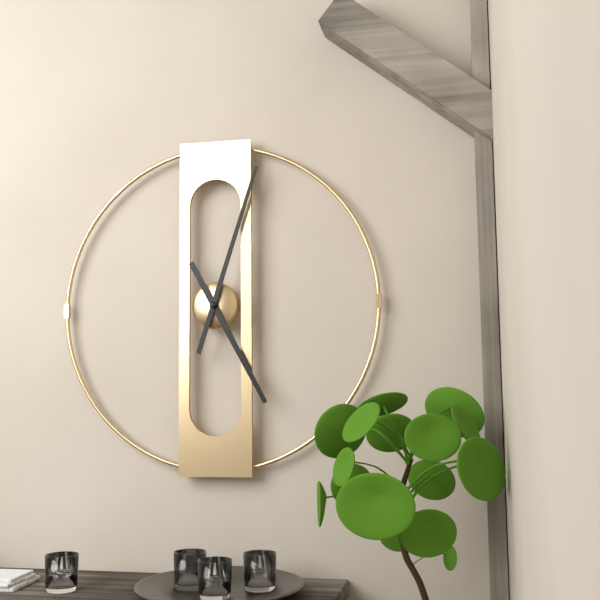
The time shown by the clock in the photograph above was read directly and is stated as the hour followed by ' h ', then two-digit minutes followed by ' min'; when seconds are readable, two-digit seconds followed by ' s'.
5 h 03 min
